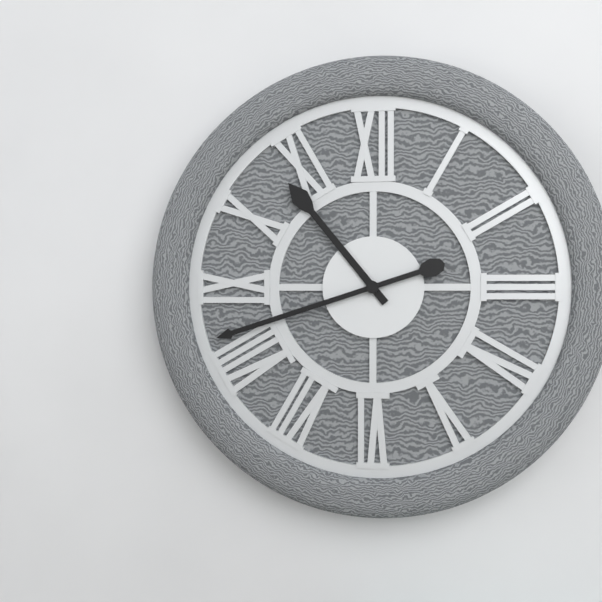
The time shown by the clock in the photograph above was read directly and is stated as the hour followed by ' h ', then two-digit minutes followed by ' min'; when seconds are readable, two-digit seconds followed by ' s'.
10 h 42 min
